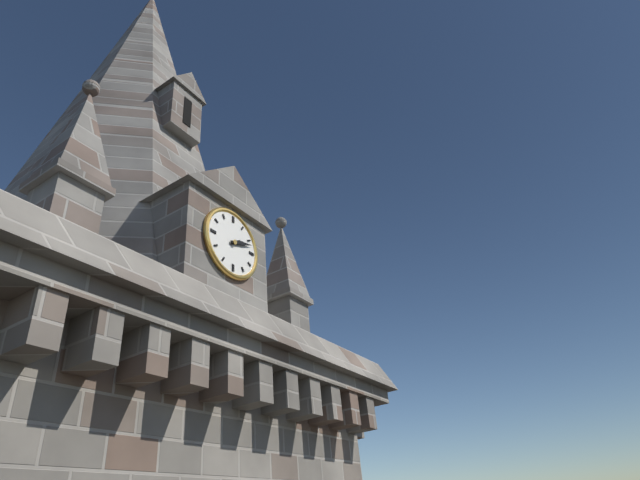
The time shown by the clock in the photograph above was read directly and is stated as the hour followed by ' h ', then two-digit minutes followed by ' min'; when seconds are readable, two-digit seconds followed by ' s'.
2 h 12 min
